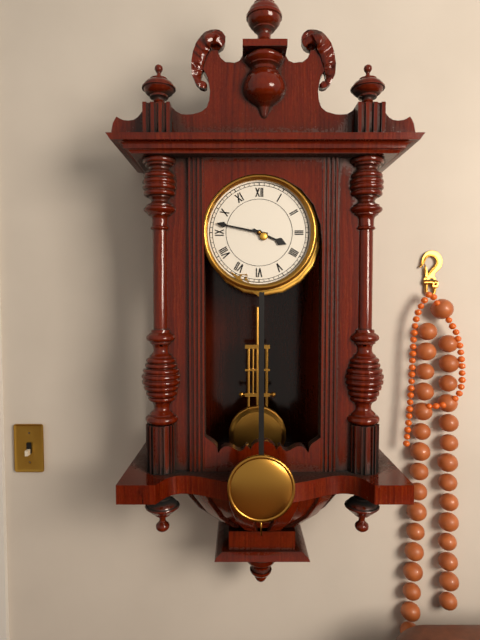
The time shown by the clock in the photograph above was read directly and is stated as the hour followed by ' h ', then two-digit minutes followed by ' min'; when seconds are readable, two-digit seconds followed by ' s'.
3 h 47 min
